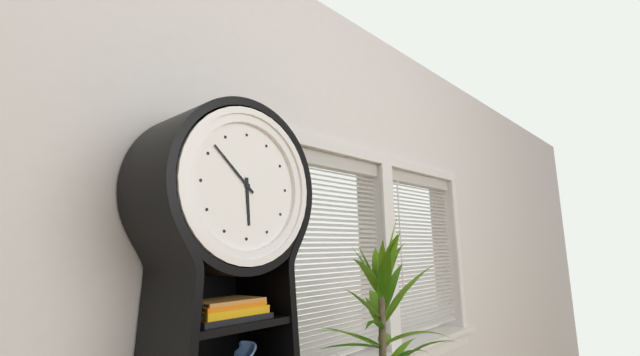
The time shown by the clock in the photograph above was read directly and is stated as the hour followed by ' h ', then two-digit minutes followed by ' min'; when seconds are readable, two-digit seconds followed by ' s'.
5 h 52 min
